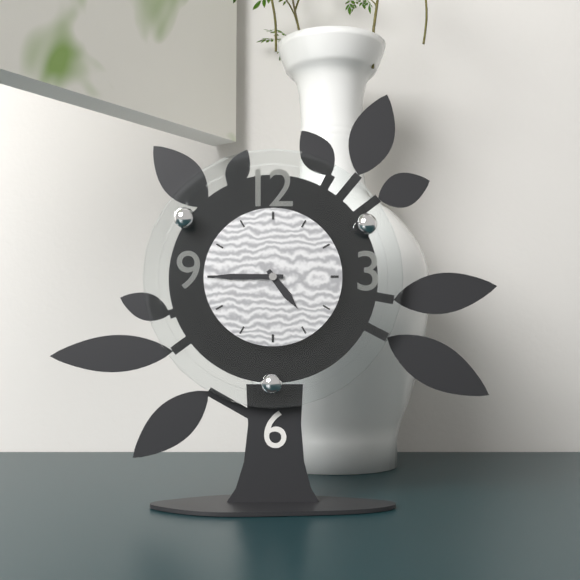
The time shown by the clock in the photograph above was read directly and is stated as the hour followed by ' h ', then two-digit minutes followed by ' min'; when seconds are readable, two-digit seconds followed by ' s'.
4 h 45 min
